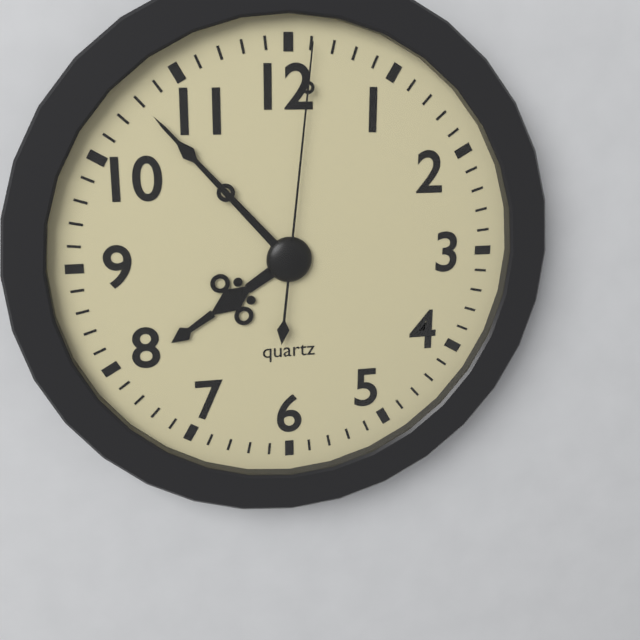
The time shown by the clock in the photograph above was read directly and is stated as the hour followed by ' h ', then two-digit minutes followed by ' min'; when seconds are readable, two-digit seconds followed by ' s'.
7 h 53 min 01 s
